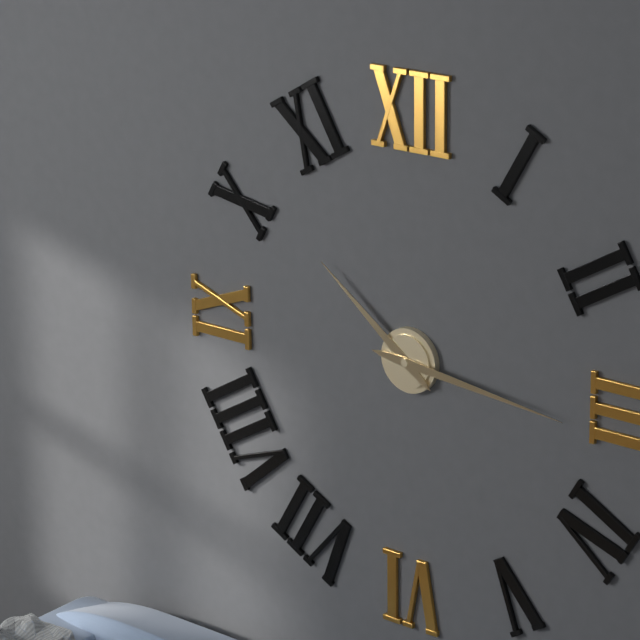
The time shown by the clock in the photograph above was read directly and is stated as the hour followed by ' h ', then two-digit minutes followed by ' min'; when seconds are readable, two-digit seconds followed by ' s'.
10 h 16 min
